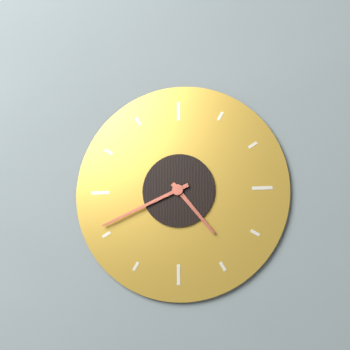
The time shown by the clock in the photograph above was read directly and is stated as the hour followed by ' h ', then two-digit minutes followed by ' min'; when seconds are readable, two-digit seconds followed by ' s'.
4 h 41 min
